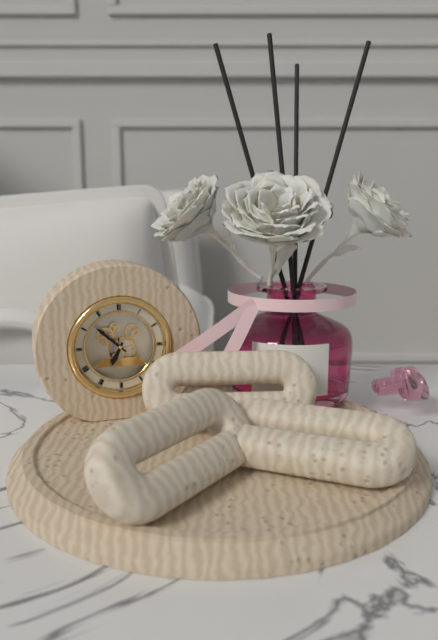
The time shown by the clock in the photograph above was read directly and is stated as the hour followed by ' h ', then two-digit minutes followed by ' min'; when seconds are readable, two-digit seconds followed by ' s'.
6 h 52 min
